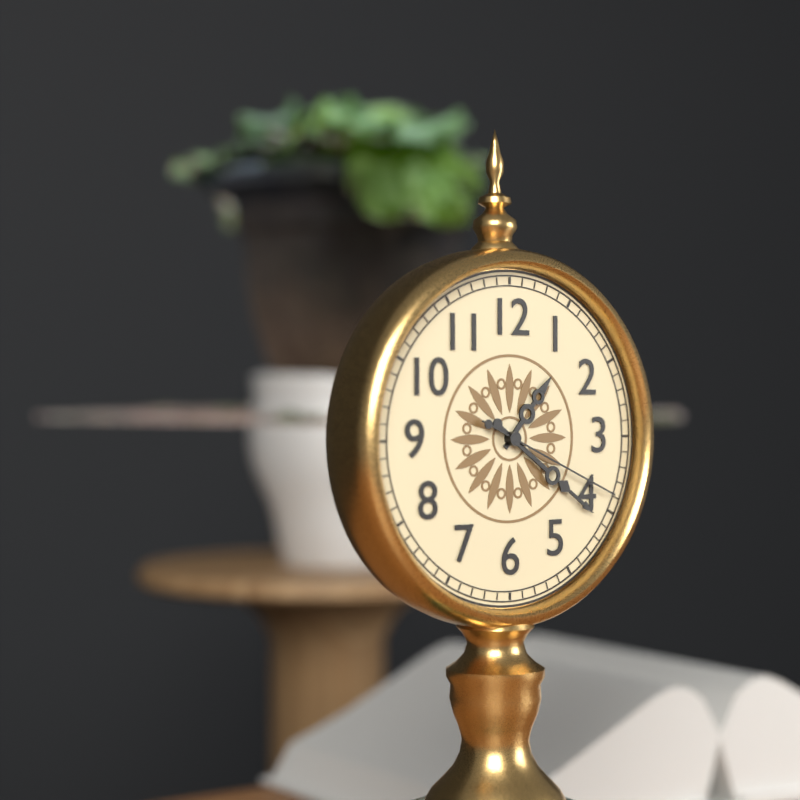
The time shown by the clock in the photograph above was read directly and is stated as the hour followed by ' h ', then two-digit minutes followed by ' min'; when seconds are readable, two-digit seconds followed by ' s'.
1 h 21 min 19 s
